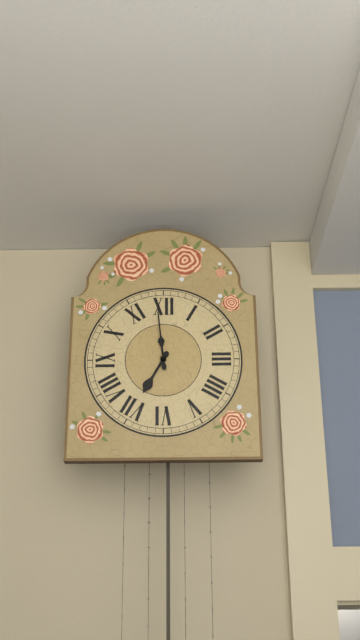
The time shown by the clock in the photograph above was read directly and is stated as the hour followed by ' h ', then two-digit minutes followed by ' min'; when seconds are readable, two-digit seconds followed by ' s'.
6 h 59 min
